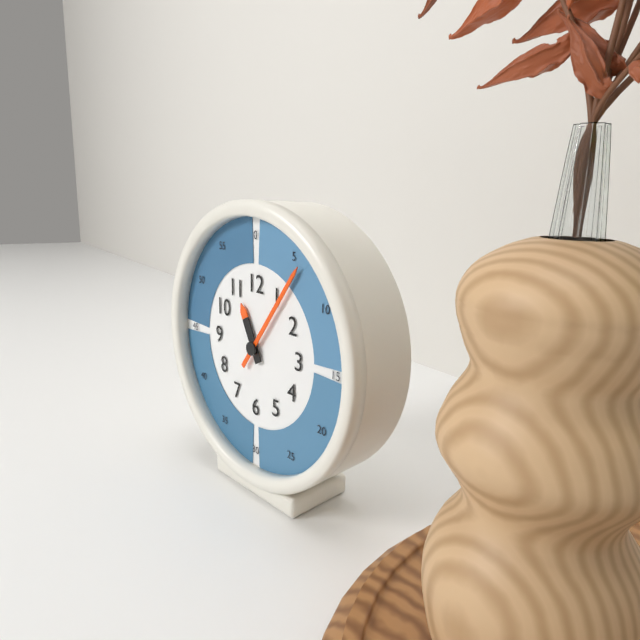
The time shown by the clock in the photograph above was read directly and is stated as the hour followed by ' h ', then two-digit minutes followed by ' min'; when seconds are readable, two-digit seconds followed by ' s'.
11 h 06 min
